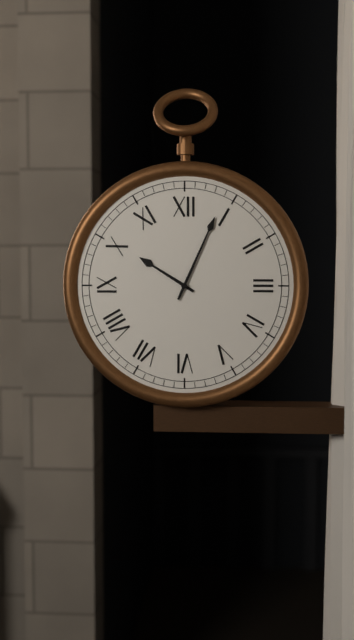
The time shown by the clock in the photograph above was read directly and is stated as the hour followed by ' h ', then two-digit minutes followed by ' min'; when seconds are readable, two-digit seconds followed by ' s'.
10 h 04 min
